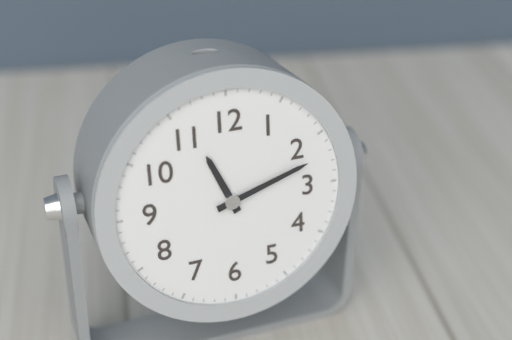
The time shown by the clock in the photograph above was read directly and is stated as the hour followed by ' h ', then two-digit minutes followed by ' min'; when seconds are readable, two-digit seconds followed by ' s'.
11 h 12 min
